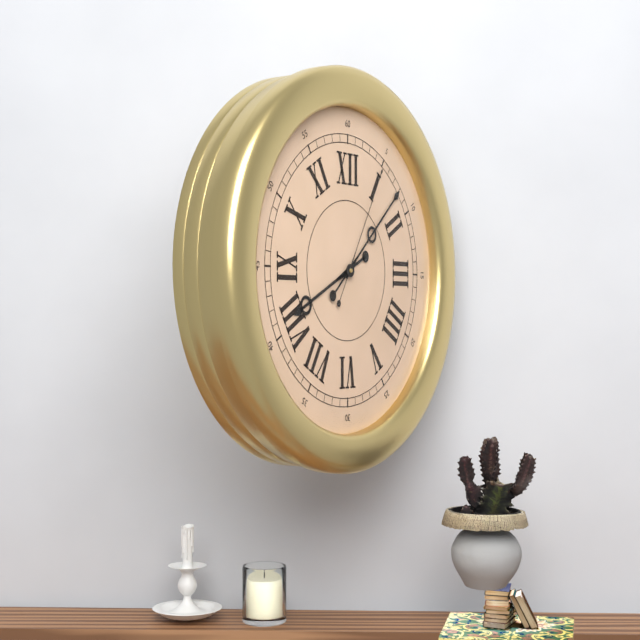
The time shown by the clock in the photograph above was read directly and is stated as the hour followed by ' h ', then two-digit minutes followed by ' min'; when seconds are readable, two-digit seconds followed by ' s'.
8 h 08 min 05 s
